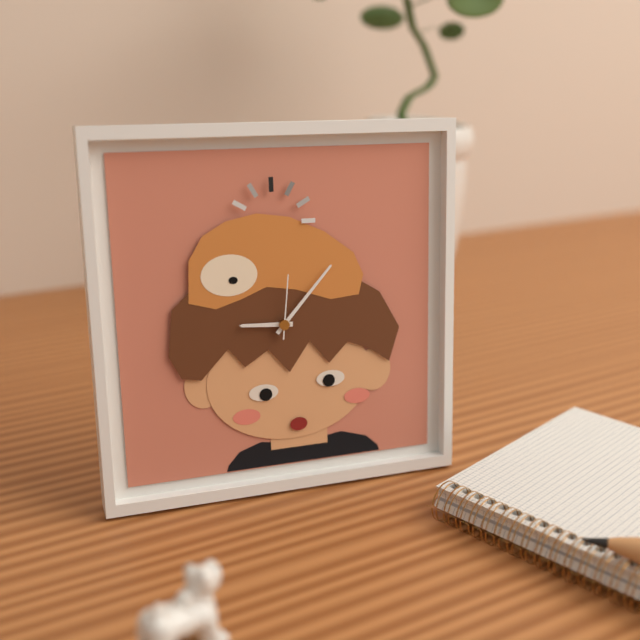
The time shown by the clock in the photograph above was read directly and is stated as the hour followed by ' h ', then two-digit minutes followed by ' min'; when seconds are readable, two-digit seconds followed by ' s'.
9 h 07 min 01 s
